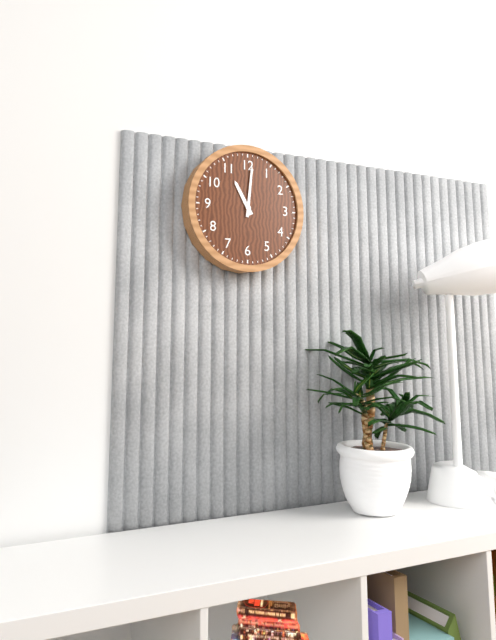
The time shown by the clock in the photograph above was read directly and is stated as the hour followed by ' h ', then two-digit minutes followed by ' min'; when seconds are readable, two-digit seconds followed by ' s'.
11 h 01 min
